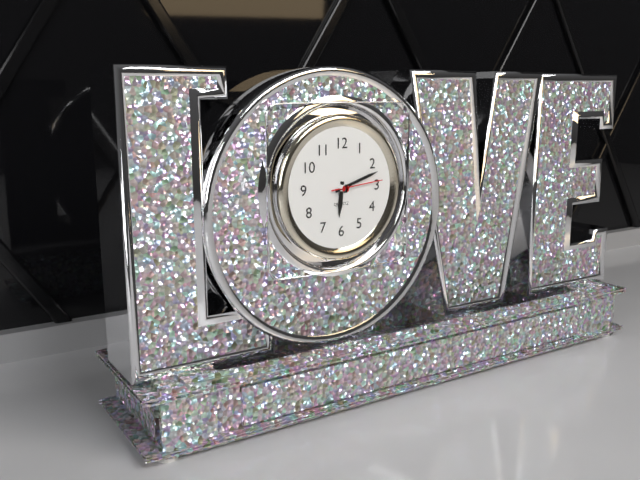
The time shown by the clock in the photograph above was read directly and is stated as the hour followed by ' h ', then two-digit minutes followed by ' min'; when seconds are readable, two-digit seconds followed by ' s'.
6 h 12 min 14 s
